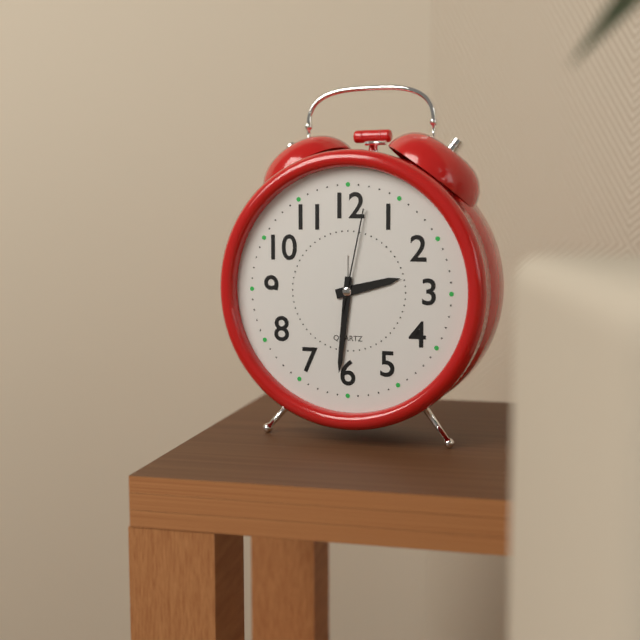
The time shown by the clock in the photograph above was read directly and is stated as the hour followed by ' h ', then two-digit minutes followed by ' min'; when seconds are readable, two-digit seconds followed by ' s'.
2 h 31 min 02 s
